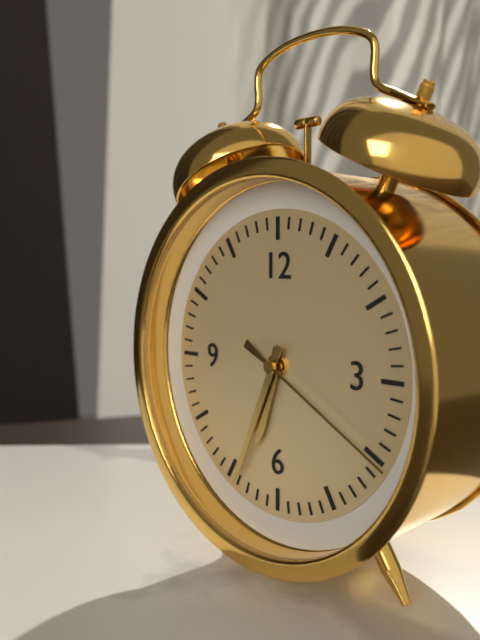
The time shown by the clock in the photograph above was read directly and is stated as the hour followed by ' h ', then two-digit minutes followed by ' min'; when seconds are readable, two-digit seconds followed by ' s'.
6 h 34 min 20 s
